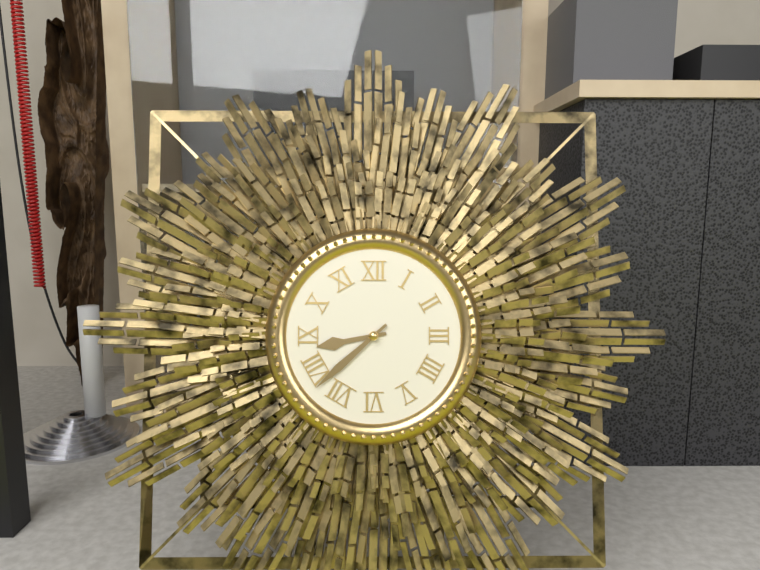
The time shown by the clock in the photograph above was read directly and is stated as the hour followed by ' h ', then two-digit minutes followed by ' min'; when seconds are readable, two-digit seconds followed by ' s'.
8 h 38 min
